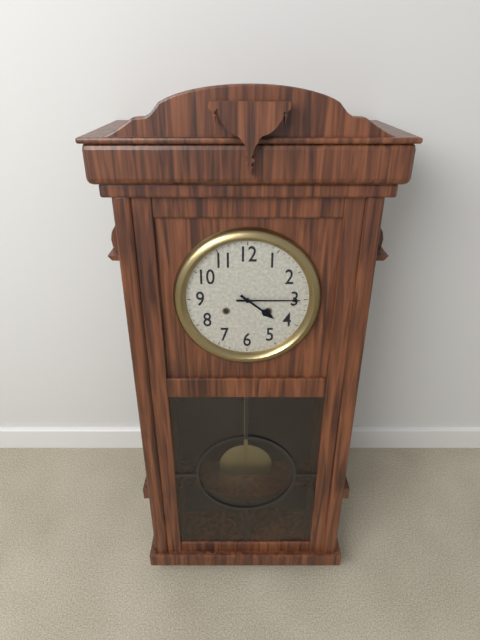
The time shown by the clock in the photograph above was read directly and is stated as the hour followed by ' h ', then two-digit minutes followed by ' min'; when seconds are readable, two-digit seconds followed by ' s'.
4 h 15 min
